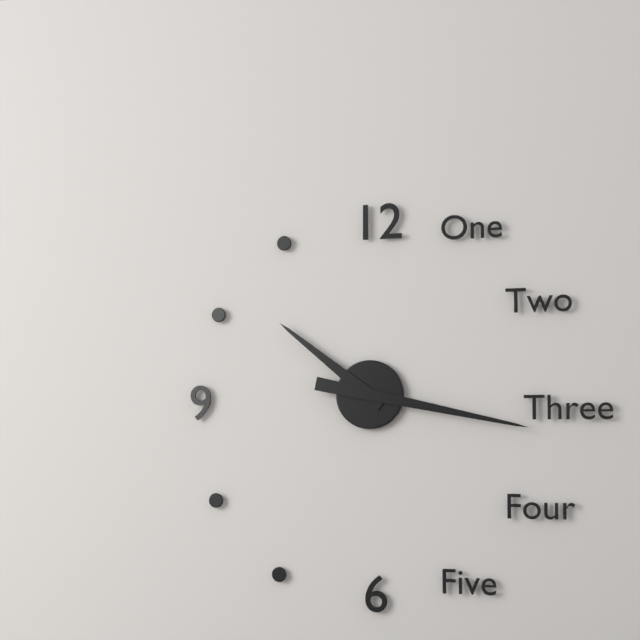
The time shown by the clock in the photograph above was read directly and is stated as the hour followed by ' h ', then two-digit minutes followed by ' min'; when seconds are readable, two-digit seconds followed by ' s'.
10 h 17 min
